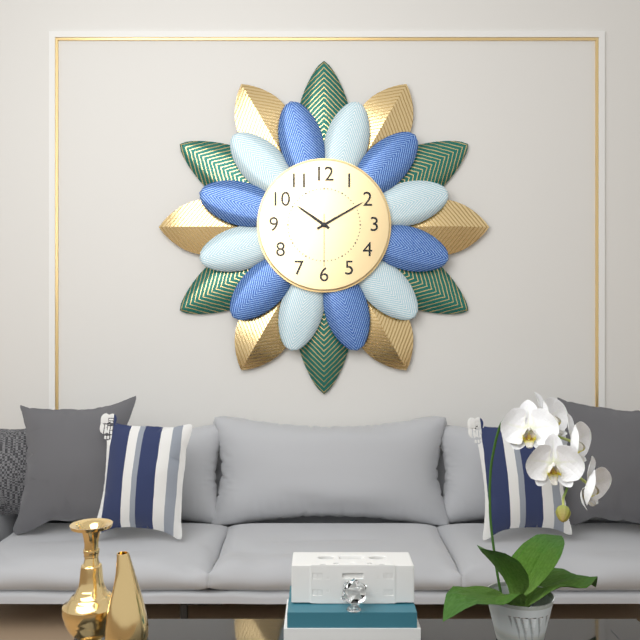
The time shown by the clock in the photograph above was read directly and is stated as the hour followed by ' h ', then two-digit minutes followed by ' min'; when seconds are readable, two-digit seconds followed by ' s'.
10 h 10 min 30 s
